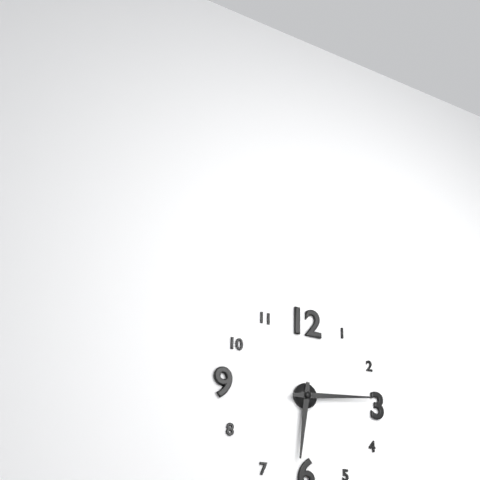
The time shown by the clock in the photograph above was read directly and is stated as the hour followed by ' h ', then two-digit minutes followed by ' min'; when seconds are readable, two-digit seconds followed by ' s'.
6 h 14 min
